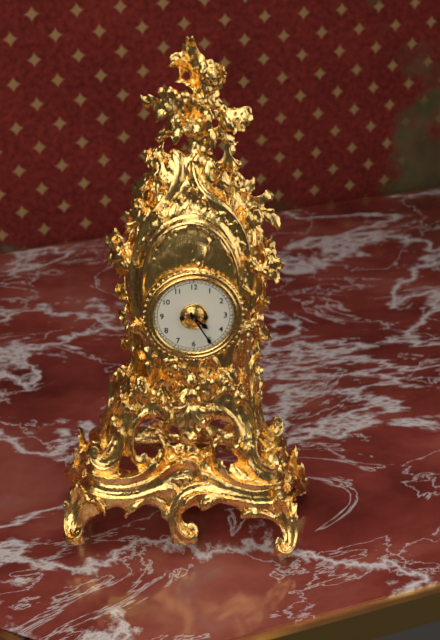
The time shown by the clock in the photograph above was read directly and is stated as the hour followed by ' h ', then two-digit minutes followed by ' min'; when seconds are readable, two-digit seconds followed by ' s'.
4 h 25 min
